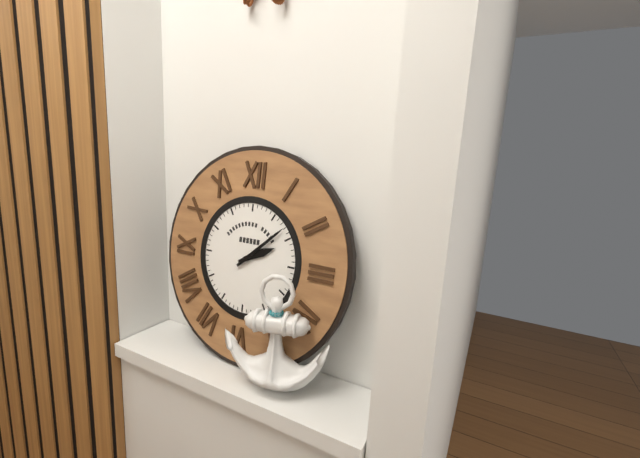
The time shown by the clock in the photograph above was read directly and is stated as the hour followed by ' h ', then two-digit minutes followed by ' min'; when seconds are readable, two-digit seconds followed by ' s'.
2 h 08 min
